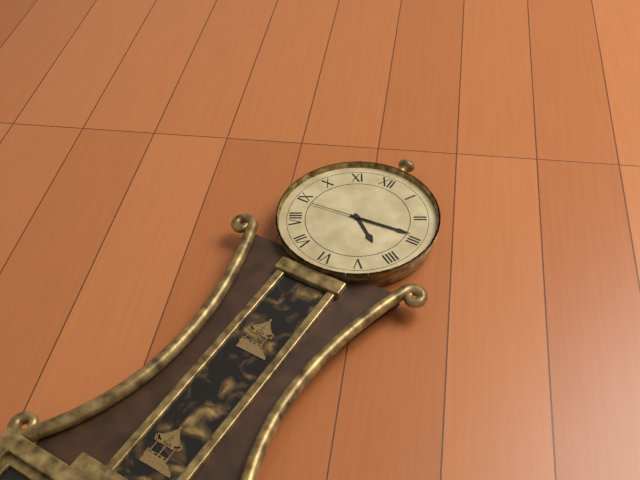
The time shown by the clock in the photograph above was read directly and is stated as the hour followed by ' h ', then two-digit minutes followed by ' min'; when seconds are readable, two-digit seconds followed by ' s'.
4 h 14 min 44 s
